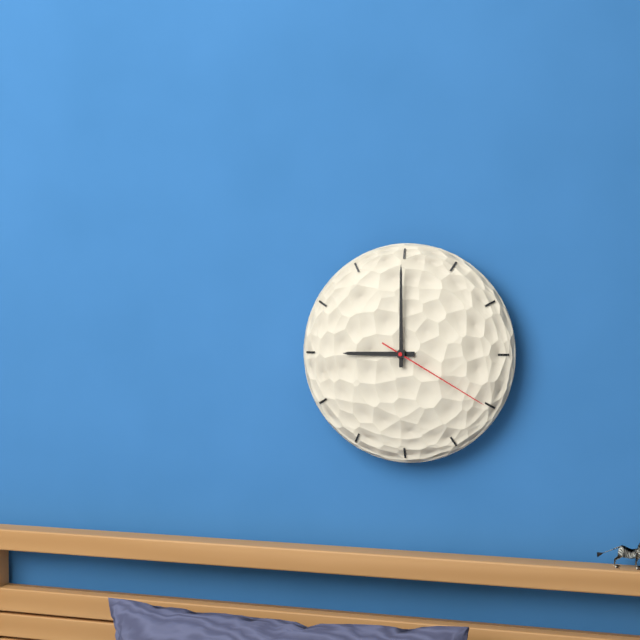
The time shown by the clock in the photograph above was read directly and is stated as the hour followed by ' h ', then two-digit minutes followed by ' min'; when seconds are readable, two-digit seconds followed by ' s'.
9 h 00 min 20 s
